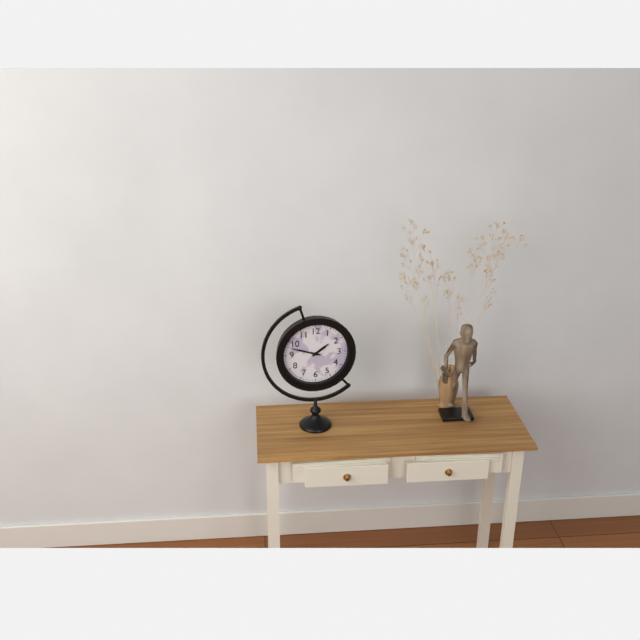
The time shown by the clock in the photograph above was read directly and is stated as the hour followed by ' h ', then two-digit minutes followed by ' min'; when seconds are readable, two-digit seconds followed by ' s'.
1 h 48 min
